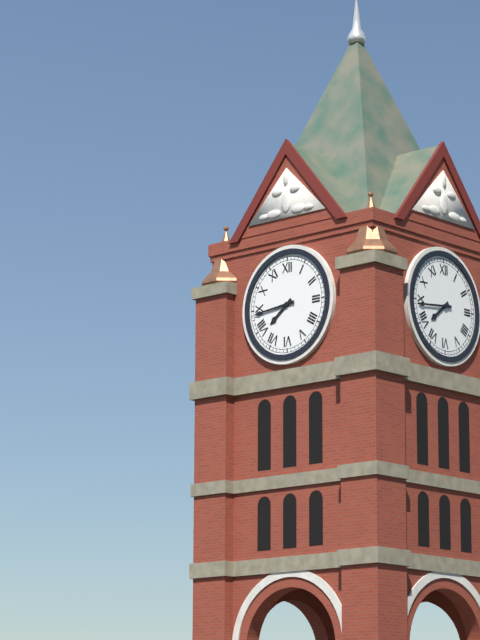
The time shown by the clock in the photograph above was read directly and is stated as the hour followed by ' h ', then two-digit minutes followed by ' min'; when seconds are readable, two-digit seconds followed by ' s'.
7 h 44 min
